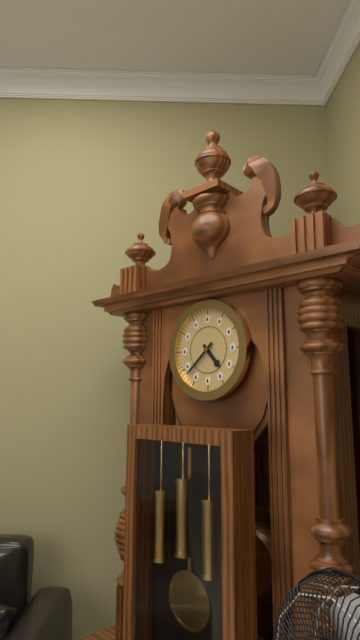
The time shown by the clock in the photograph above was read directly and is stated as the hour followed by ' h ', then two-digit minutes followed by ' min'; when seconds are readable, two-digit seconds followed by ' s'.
4 h 38 min
